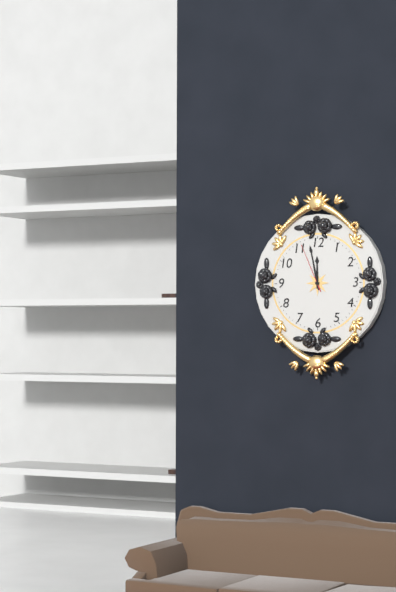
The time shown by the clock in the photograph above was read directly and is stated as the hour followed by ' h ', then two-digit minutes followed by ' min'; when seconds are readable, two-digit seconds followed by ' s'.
11 h 58 min 56 s
